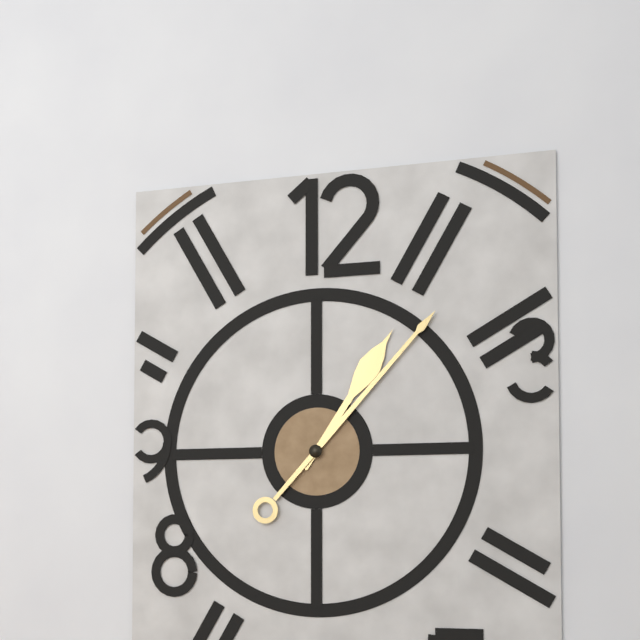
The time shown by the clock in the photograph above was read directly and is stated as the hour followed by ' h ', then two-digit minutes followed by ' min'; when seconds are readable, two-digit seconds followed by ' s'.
1 h 07 min
